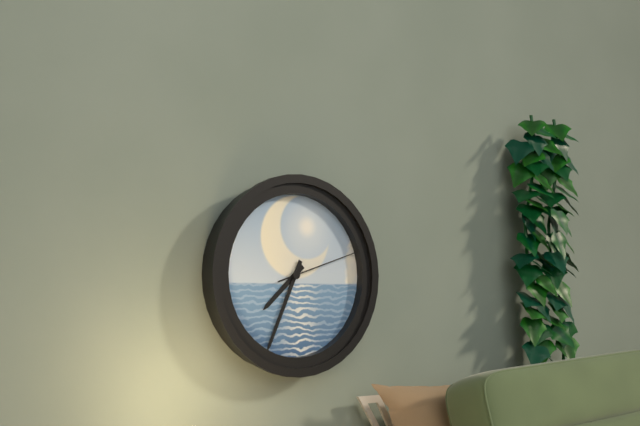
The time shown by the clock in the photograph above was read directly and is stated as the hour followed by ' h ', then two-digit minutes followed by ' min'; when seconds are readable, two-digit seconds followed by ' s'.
7 h 34 min 12 s
